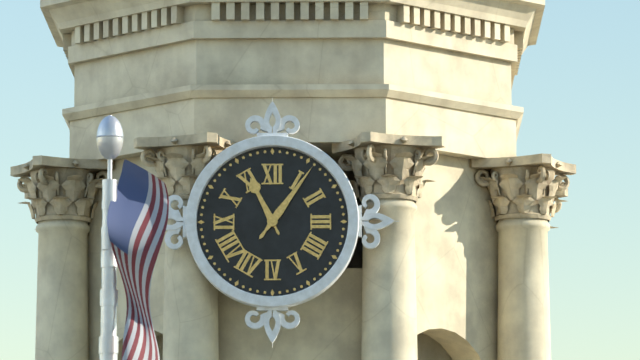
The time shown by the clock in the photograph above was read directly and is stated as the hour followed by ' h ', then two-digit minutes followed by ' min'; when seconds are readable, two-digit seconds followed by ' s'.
11 h 06 min
